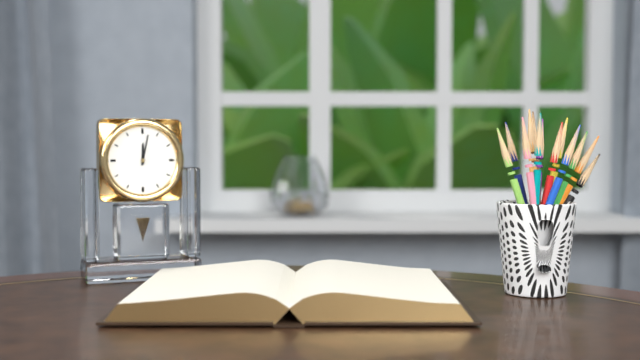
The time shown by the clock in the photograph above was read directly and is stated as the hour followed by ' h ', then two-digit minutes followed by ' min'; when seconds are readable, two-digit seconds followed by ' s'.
12 h 02 min
